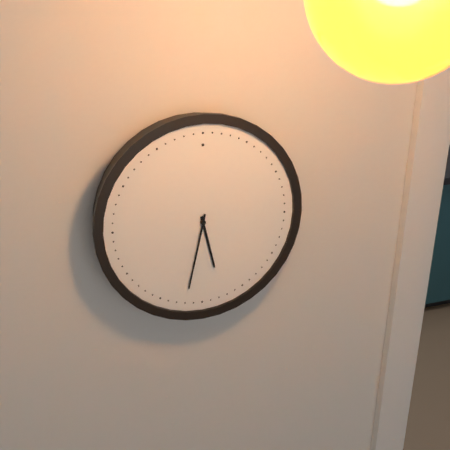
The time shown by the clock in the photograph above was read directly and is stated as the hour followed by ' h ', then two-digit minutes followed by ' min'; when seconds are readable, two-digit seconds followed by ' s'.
5 h 32 min
